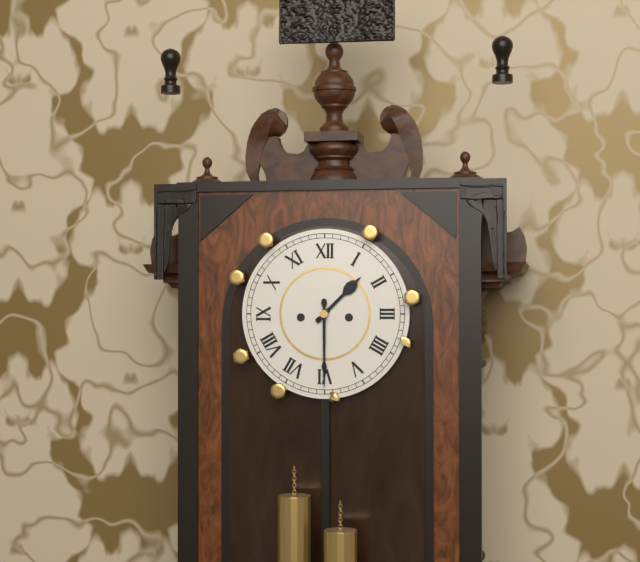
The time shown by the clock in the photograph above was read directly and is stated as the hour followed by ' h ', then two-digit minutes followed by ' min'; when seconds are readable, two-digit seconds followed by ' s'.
1 h 30 min
